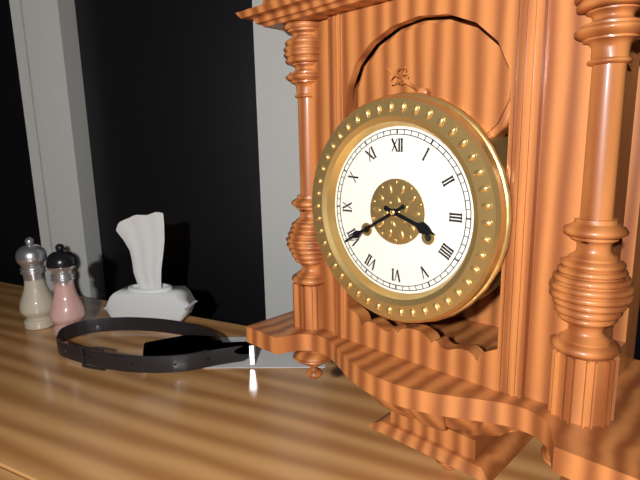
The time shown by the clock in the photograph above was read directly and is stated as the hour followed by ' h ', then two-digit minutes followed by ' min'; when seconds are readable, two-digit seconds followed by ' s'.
3 h 40 min
